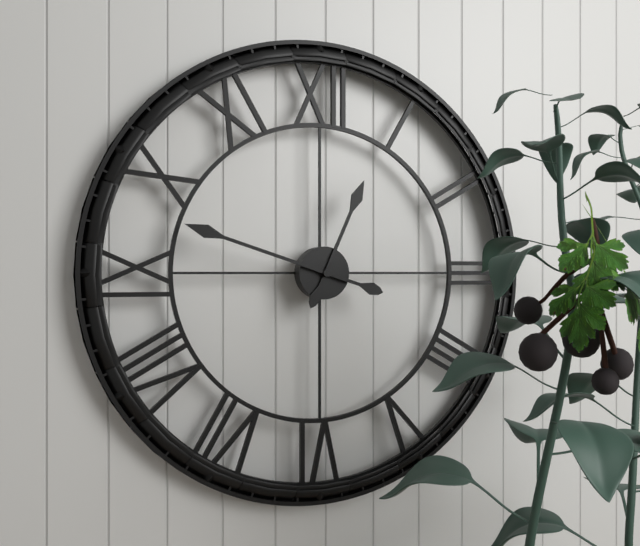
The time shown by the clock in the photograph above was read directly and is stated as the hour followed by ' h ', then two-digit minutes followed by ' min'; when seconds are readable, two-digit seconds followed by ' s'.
12 h 48 min
